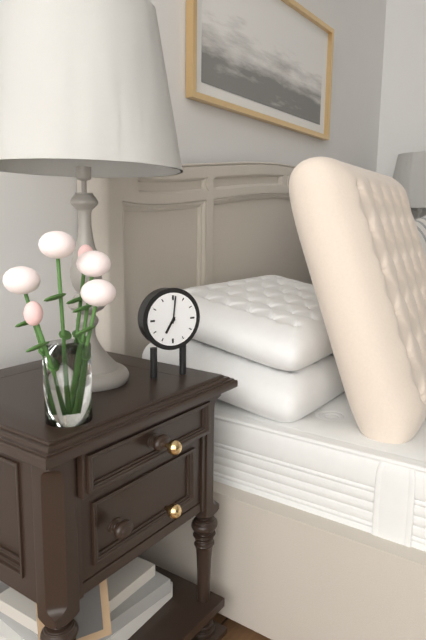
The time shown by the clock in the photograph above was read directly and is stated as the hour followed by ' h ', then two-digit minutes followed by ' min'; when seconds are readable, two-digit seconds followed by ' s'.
7 h 01 min
